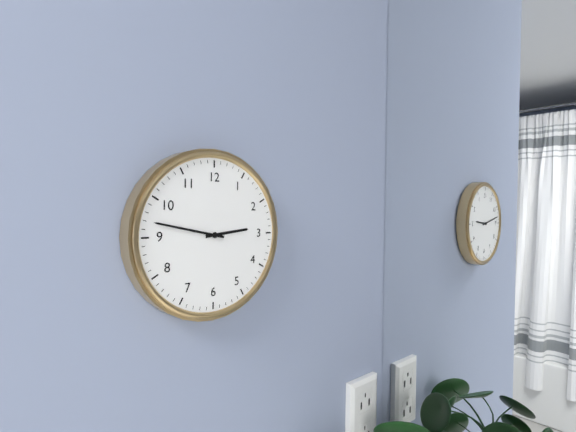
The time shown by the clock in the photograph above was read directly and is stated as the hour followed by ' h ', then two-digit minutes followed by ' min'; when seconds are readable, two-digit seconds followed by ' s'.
2 h 47 min
